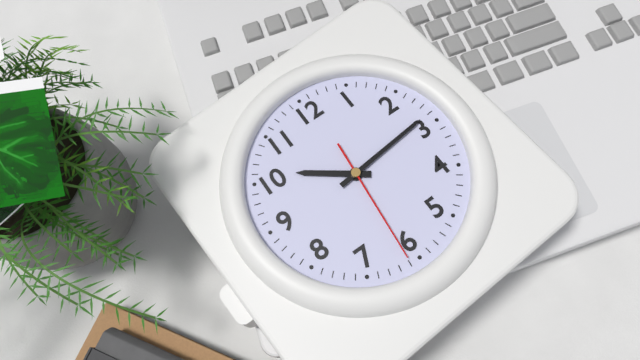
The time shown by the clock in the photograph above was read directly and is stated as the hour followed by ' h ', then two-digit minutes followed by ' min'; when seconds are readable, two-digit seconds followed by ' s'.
10 h 14 min 31 s
